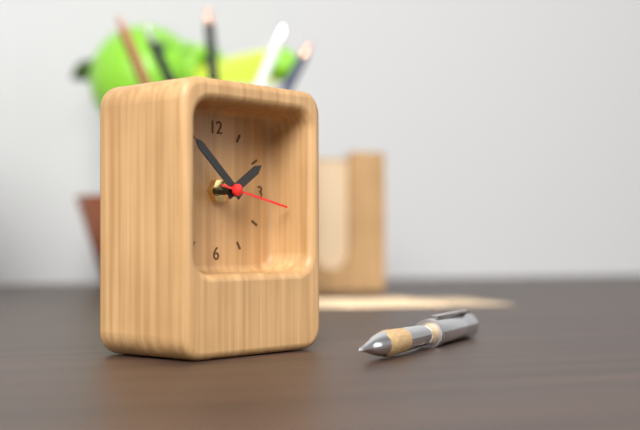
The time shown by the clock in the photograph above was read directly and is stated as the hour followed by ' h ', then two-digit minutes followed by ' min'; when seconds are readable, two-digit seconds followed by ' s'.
1 h 52 min 17 s
